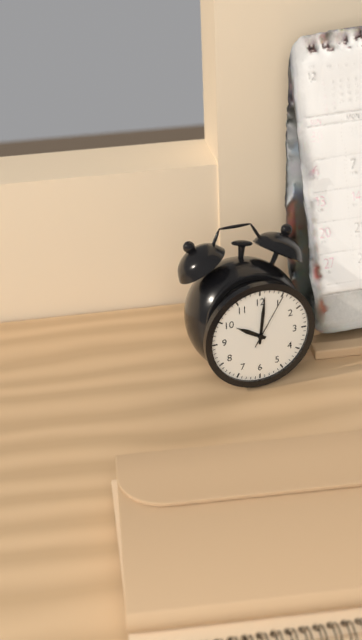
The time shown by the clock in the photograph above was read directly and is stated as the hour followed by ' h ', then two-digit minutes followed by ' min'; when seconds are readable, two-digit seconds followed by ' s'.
10 h 01 min 05 s
